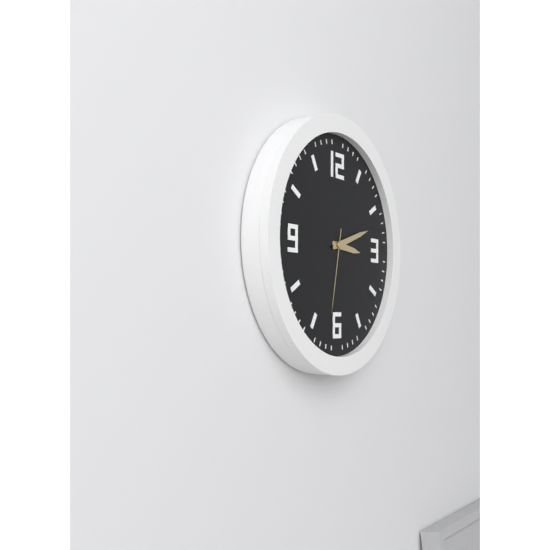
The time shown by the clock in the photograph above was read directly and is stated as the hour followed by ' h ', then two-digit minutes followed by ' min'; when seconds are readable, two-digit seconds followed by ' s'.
3 h 12 min 32 s
